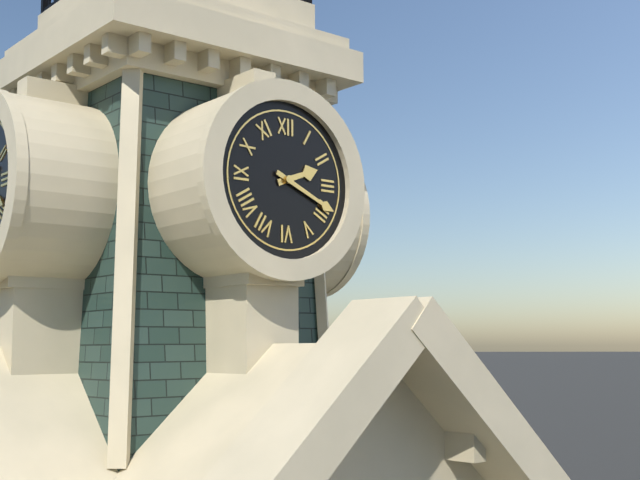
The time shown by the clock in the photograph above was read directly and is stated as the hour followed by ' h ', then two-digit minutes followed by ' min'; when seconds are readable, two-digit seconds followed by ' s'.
2 h 19 min
